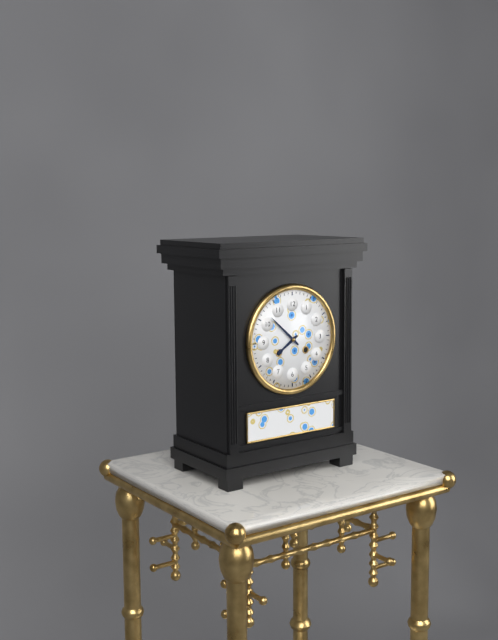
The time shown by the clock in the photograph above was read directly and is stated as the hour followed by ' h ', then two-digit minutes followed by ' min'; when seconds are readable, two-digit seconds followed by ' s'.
7 h 52 min
